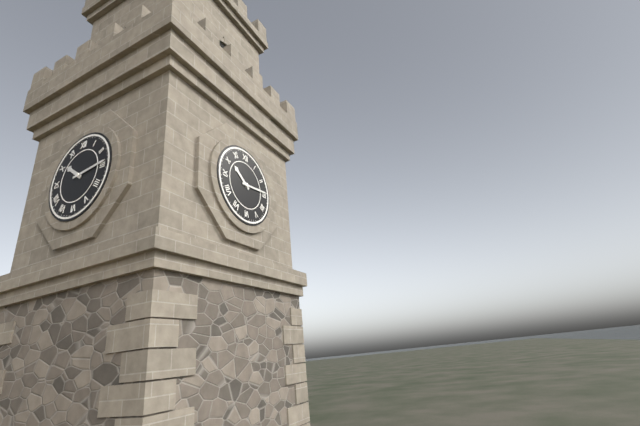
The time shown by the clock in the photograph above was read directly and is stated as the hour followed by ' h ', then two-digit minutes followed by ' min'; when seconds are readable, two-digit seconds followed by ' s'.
10 h 14 min
